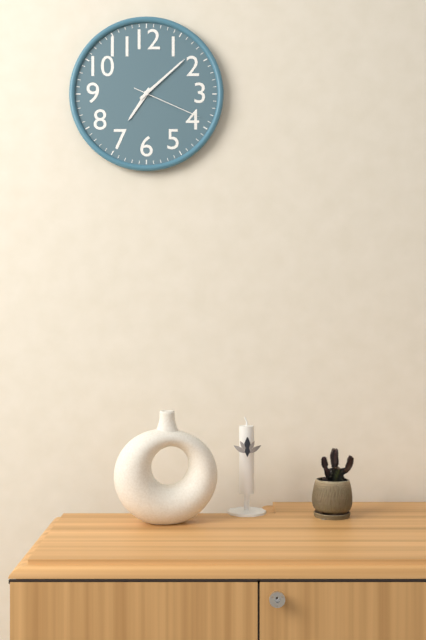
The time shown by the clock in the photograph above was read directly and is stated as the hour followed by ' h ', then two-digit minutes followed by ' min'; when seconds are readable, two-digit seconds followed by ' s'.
7 h 08 min 19 s
